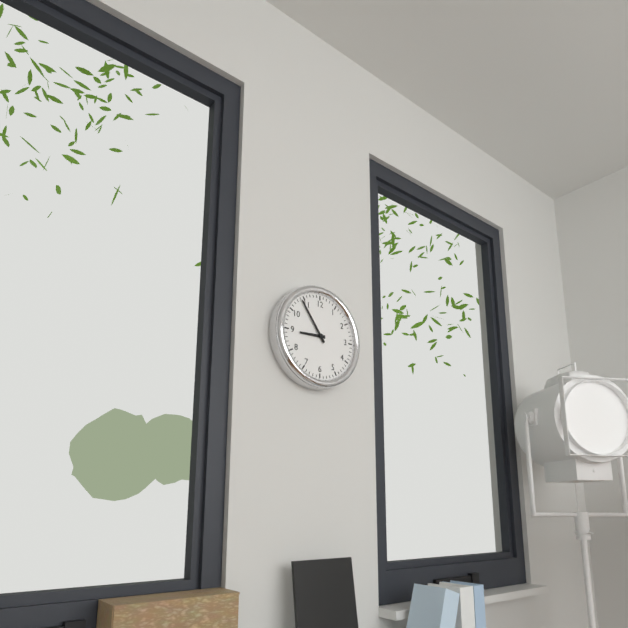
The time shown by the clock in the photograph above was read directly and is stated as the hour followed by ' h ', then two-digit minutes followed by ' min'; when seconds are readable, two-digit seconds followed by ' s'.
8 h 54 min
